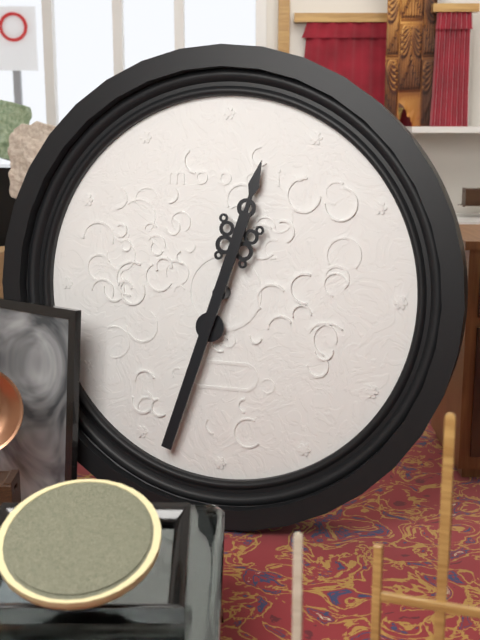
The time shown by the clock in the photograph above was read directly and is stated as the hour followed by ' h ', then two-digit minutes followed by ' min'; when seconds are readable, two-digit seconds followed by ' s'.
12 h 33 min
